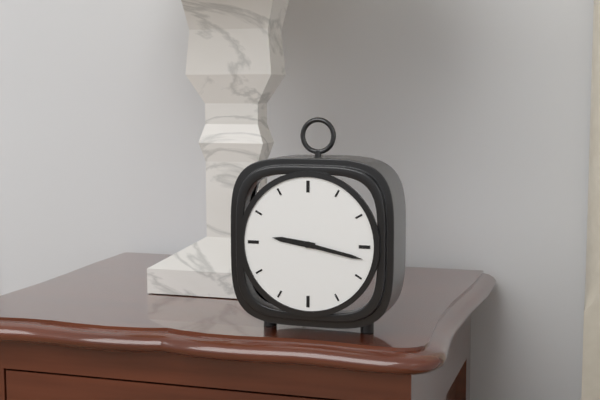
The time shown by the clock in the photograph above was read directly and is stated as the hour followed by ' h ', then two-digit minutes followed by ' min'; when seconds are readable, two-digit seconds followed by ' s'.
9 h 17 min
